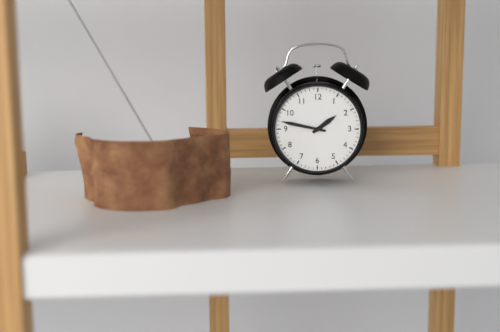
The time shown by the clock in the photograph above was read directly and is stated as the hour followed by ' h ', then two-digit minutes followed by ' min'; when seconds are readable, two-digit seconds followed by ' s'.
1 h 47 min
